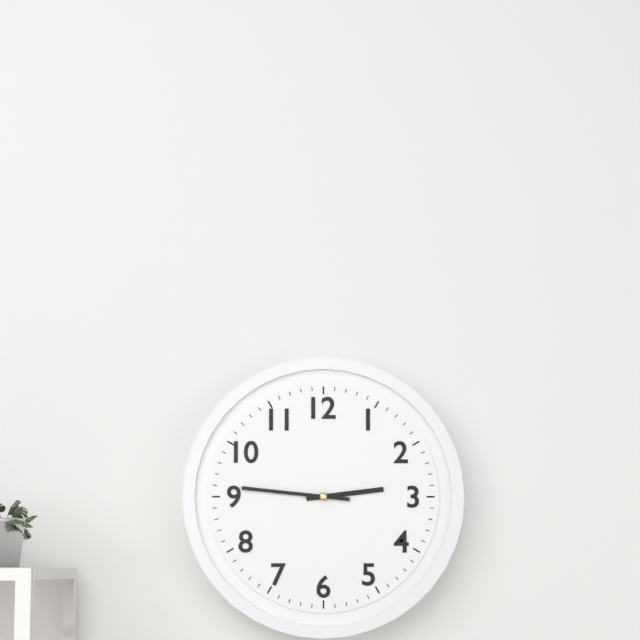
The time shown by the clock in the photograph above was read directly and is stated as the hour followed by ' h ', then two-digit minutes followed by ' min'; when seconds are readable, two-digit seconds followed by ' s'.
2 h 46 min
